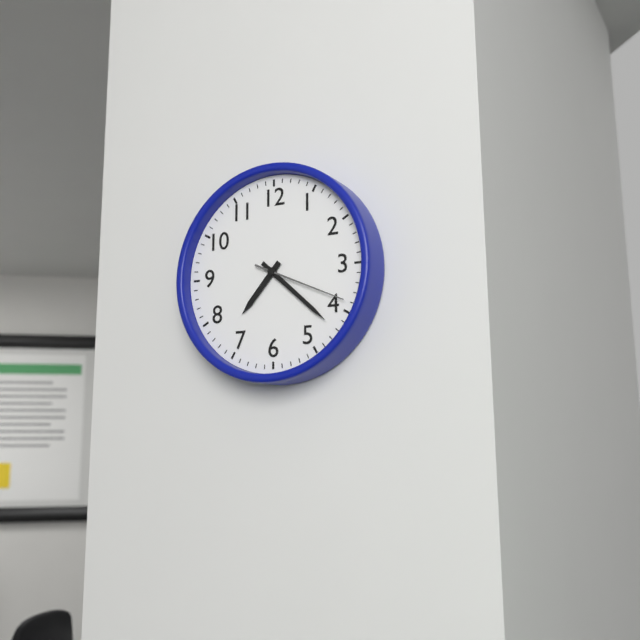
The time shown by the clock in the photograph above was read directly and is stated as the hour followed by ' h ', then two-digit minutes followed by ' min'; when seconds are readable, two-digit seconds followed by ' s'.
7 h 22 min 19 s
